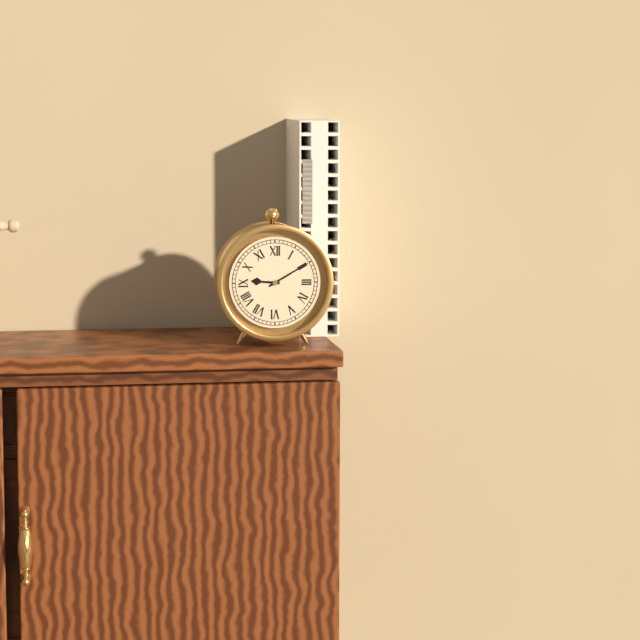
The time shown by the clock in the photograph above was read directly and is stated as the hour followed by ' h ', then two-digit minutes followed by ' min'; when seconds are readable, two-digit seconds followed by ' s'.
9 h 10 min
